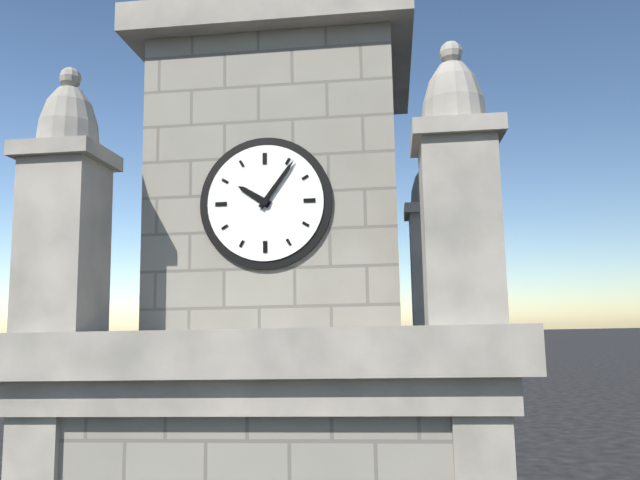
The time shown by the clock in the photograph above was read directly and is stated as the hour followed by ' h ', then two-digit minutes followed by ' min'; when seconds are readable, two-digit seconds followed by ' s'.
10 h 06 min
